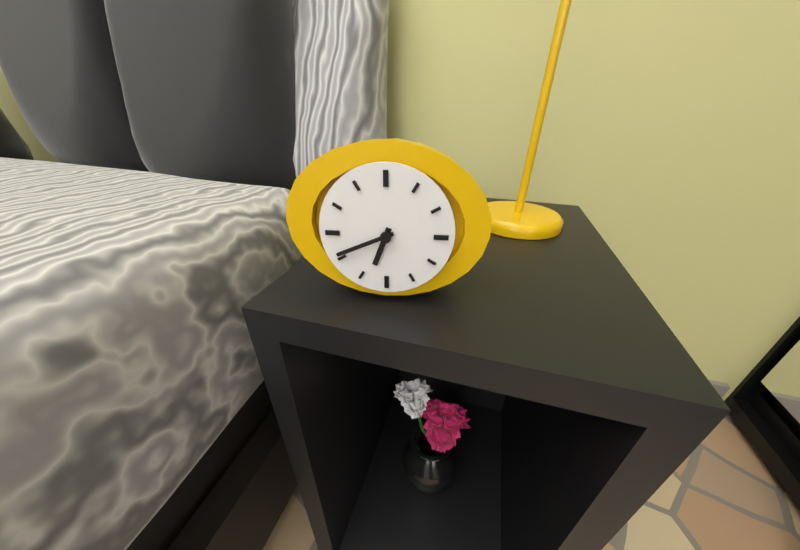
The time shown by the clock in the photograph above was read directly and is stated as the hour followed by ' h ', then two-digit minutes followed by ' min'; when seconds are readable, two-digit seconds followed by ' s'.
6 h 41 min
